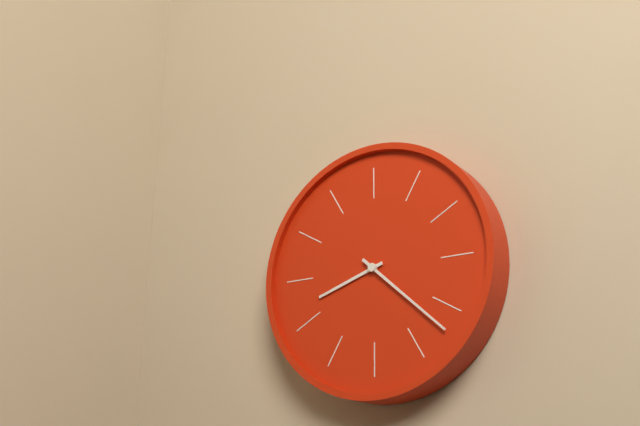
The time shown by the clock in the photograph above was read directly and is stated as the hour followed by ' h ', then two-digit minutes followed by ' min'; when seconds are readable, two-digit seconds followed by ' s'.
8 h 22 min
